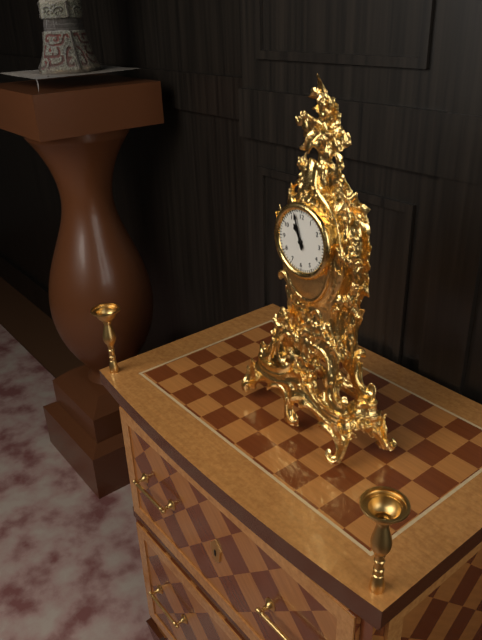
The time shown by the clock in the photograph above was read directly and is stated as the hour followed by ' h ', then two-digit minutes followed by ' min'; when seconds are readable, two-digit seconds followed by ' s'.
10 h 57 min
